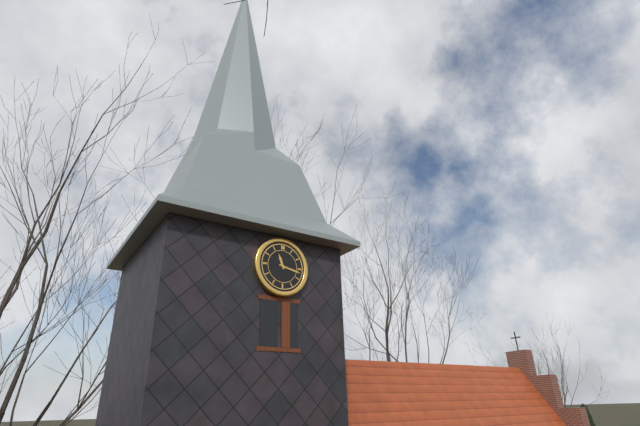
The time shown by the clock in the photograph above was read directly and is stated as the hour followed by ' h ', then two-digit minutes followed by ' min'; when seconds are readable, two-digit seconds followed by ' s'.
11 h 17 min
